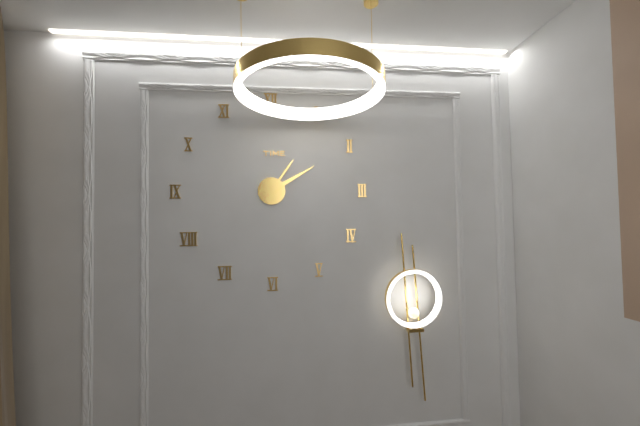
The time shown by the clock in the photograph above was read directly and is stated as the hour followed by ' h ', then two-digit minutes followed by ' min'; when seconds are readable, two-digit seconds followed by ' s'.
1 h 10 min
